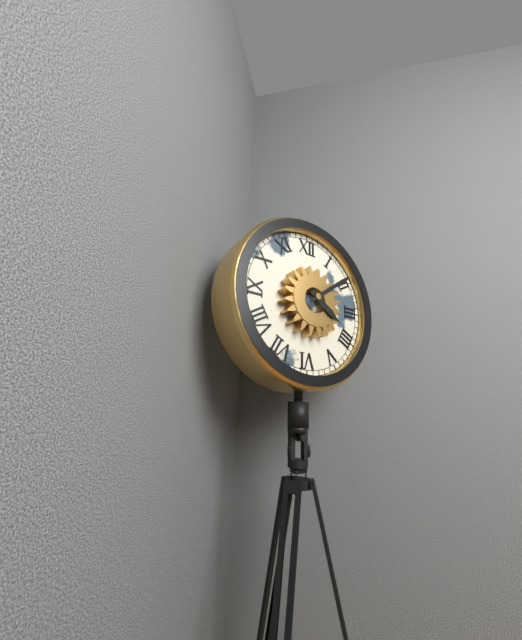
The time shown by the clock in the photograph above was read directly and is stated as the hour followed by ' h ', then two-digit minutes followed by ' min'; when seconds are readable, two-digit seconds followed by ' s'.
4 h 09 min
